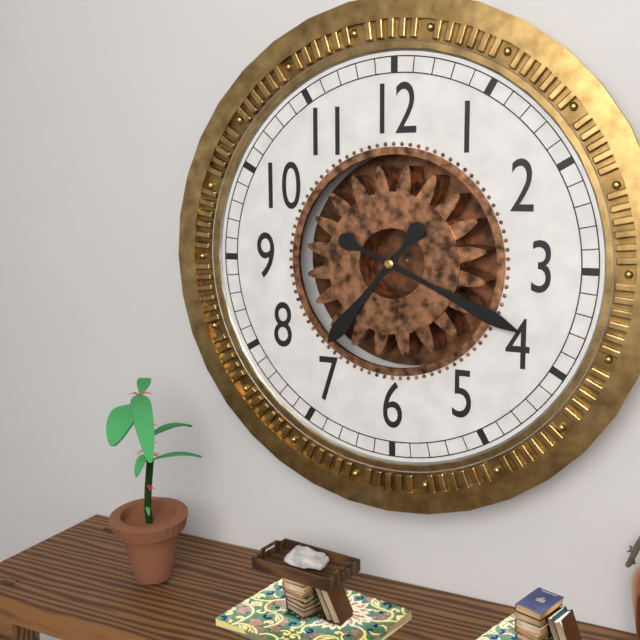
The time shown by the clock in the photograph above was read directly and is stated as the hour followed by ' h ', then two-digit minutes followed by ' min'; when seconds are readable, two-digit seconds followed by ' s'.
7 h 19 min
